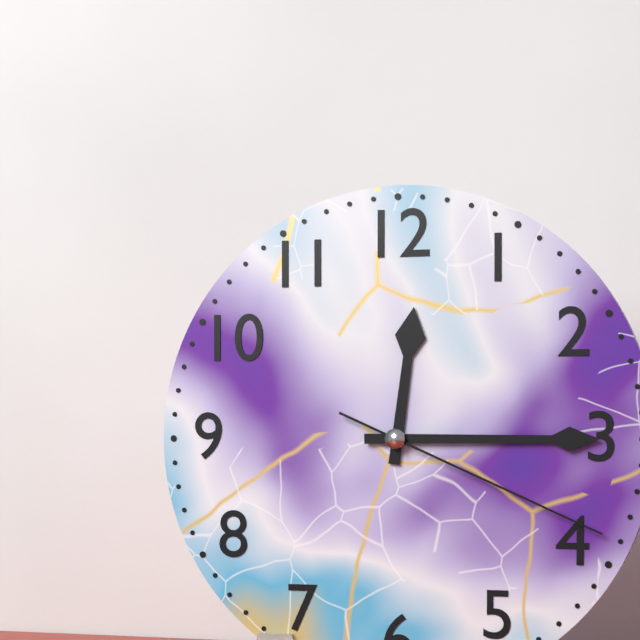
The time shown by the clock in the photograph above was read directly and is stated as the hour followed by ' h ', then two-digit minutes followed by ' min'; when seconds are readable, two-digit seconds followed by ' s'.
12 h 15 min 19 s
